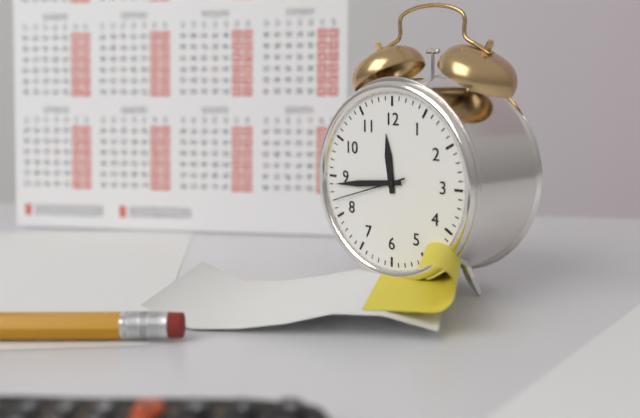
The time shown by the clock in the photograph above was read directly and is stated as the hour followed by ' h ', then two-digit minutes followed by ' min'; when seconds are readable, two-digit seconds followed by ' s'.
11 h 44 min 42 s
